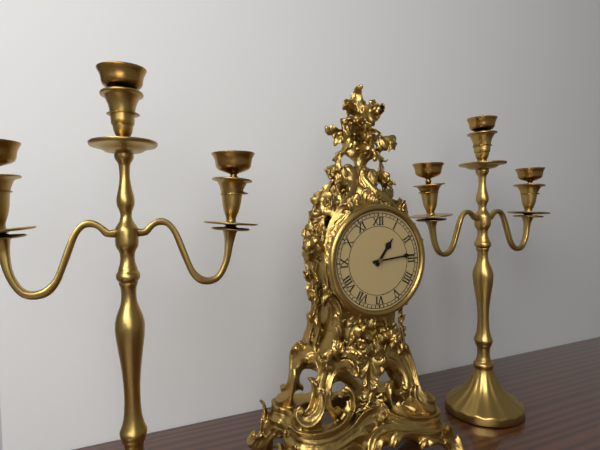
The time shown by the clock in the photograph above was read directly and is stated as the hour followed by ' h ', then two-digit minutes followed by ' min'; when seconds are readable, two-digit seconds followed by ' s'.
1 h 14 min
